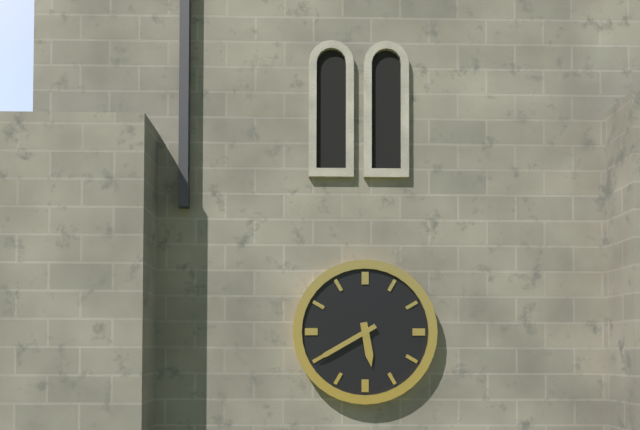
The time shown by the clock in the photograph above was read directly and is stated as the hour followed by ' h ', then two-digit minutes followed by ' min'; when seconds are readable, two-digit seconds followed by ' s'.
5 h 40 min
